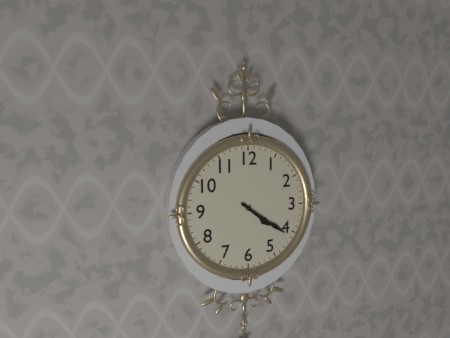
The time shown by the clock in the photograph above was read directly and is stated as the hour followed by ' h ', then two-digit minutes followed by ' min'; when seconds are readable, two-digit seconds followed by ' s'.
4 h 21 min
